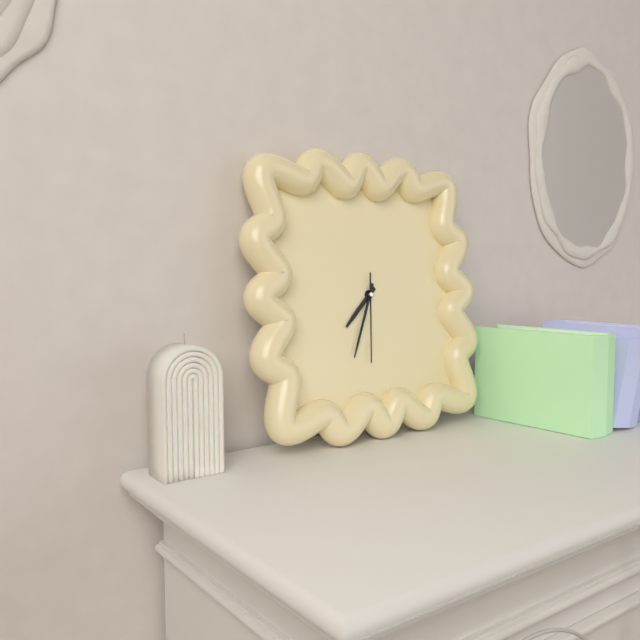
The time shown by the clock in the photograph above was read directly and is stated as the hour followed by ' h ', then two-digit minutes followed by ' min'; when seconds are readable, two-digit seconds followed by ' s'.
7 h 34 min 31 s
